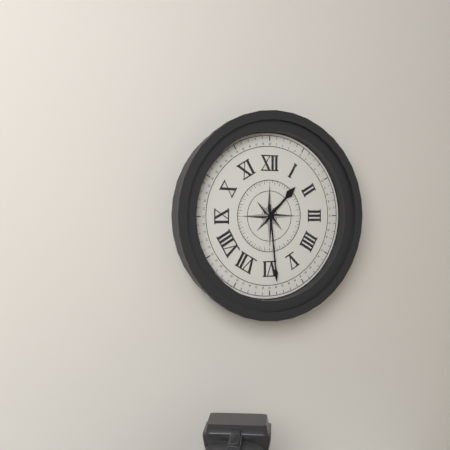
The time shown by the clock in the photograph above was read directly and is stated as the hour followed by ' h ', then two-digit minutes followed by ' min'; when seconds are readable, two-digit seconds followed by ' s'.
1 h 29 min
